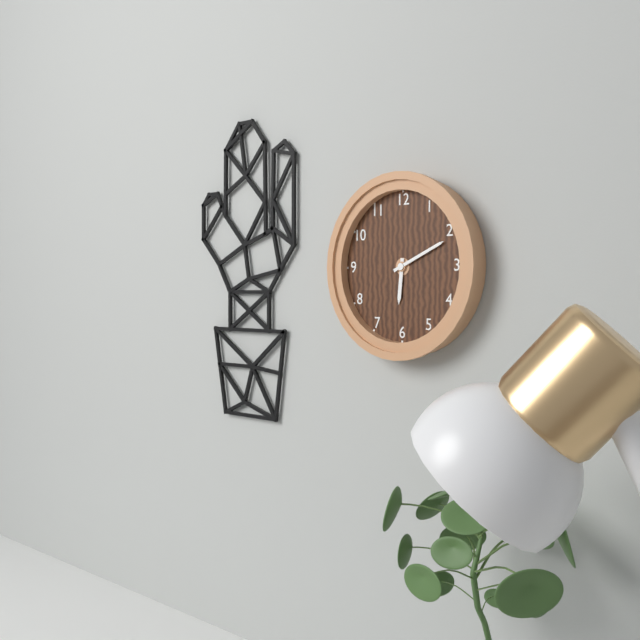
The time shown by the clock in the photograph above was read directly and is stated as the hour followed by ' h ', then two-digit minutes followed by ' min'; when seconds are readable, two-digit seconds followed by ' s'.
6 h 11 min
